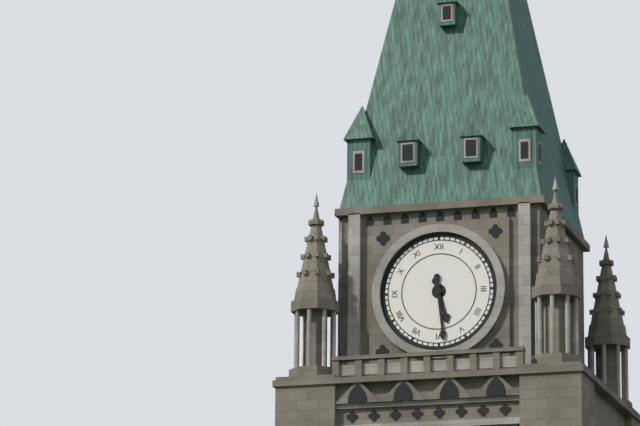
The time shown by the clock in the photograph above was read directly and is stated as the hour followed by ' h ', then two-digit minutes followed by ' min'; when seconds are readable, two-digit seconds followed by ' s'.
5 h 29 min
